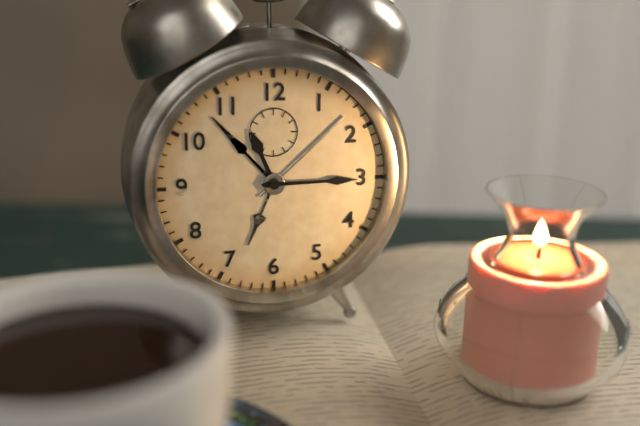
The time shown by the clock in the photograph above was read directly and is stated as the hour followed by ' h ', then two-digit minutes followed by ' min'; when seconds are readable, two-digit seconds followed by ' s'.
11 h 15 min
